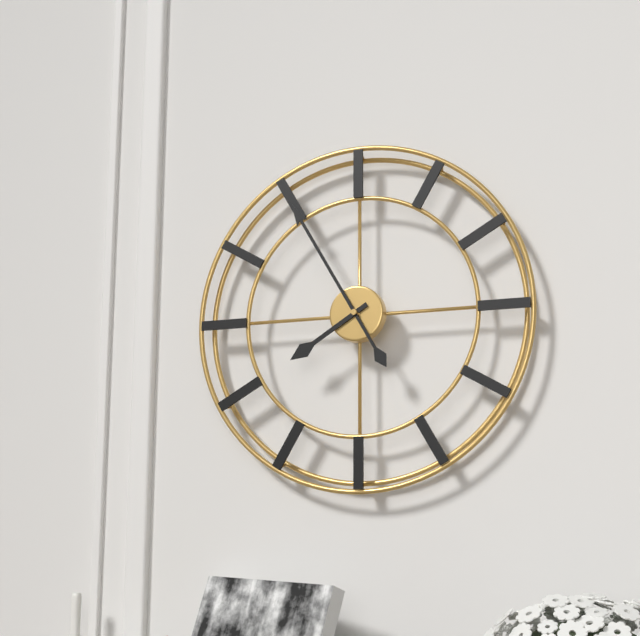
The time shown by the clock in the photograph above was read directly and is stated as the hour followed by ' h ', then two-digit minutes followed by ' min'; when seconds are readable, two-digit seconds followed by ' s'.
7 h 55 min
